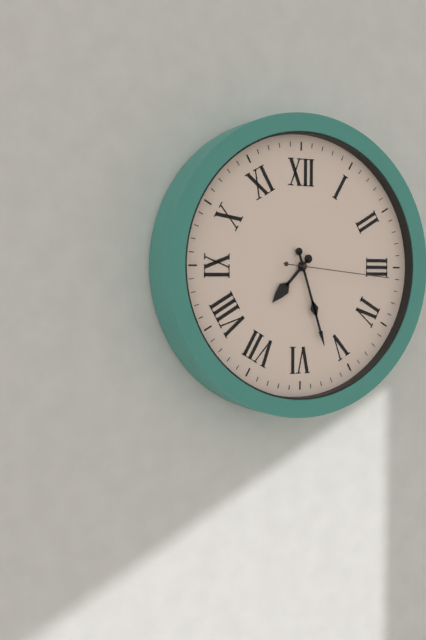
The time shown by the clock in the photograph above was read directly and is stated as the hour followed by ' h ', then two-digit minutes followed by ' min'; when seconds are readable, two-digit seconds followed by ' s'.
7 h 27 min 16 s
